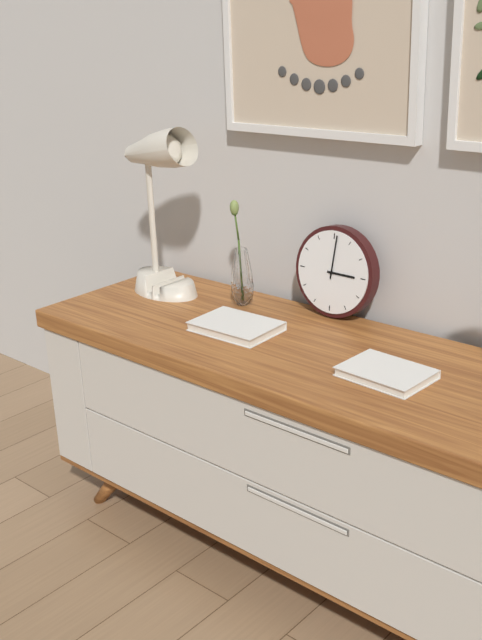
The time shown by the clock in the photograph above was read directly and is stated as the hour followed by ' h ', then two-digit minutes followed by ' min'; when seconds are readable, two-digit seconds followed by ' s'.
3 h 01 min
